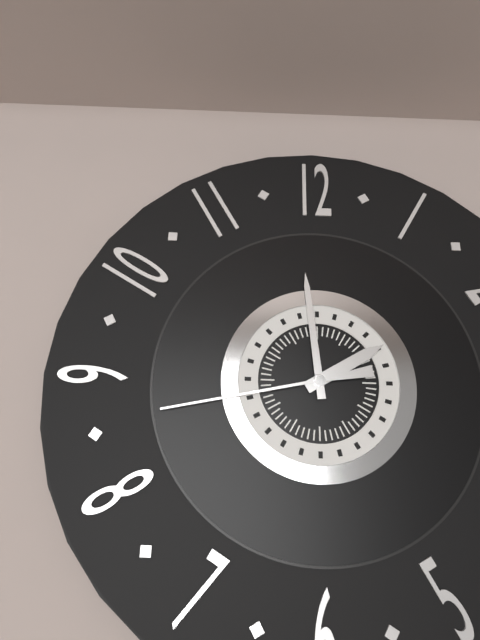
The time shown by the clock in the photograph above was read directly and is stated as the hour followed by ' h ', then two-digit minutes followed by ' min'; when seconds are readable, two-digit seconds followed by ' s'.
1 h 59 min 43 s
